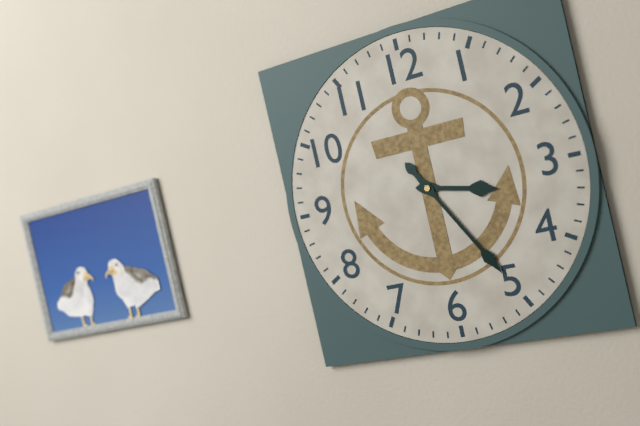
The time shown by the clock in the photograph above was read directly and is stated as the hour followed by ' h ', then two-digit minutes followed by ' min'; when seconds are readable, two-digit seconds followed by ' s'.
3 h 25 min
